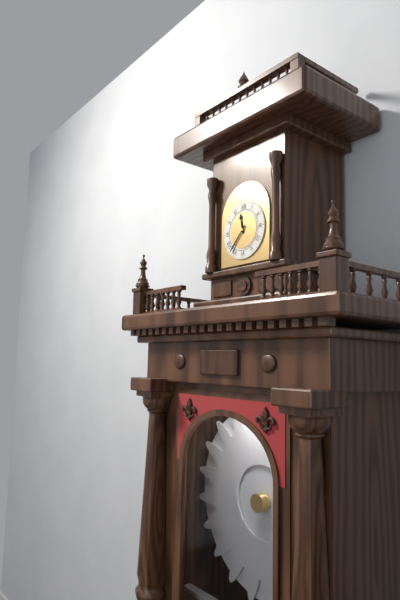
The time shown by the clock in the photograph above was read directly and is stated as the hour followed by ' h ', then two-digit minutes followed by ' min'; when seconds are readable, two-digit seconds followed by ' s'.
11 h 37 min
